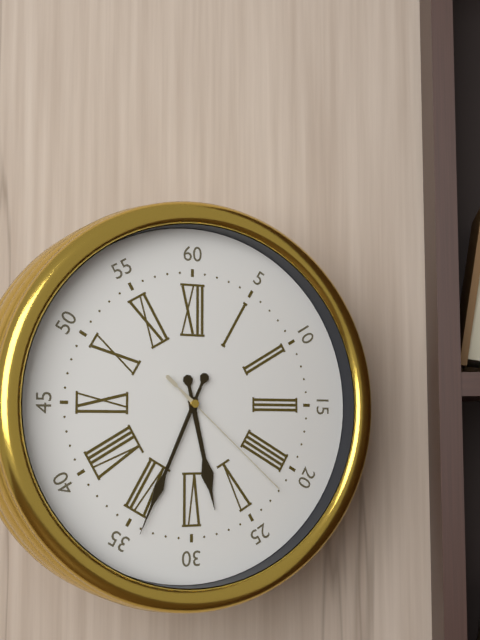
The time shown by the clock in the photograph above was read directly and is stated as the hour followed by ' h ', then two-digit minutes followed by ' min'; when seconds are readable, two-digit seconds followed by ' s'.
5 h 34 min 22 s
